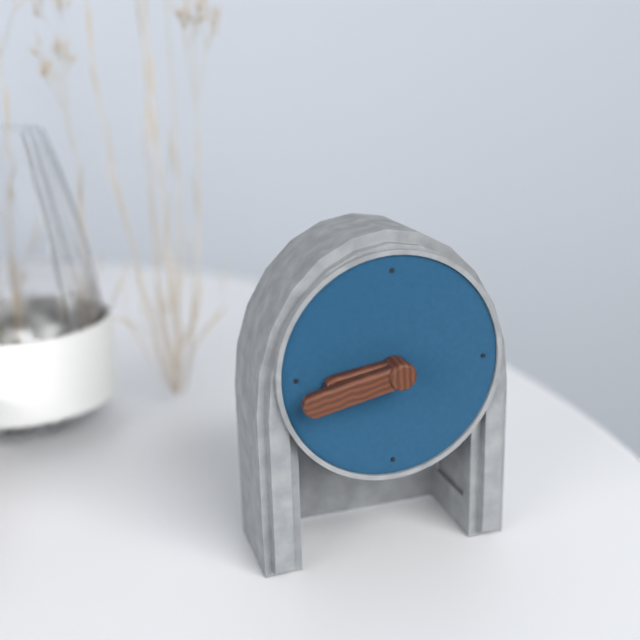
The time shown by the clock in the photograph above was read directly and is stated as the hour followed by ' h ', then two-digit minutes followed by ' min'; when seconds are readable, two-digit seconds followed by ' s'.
8 h 43 min
